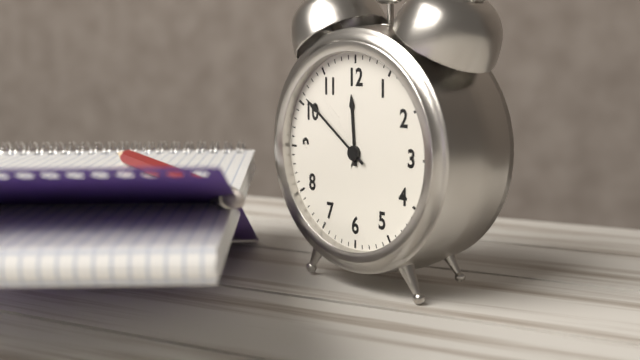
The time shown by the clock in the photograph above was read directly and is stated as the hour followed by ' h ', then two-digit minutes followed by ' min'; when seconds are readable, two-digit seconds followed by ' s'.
11 h 51 min
